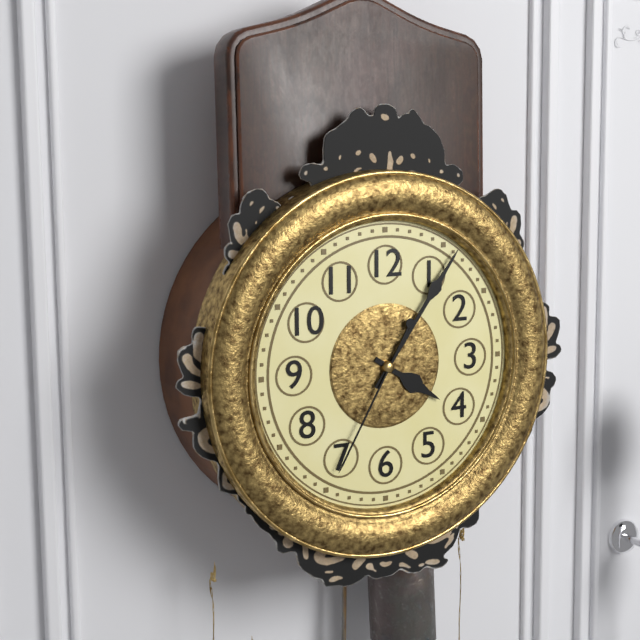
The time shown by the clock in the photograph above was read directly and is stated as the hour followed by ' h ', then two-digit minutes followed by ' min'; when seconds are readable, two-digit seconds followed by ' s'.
4 h 06 min 35 s
